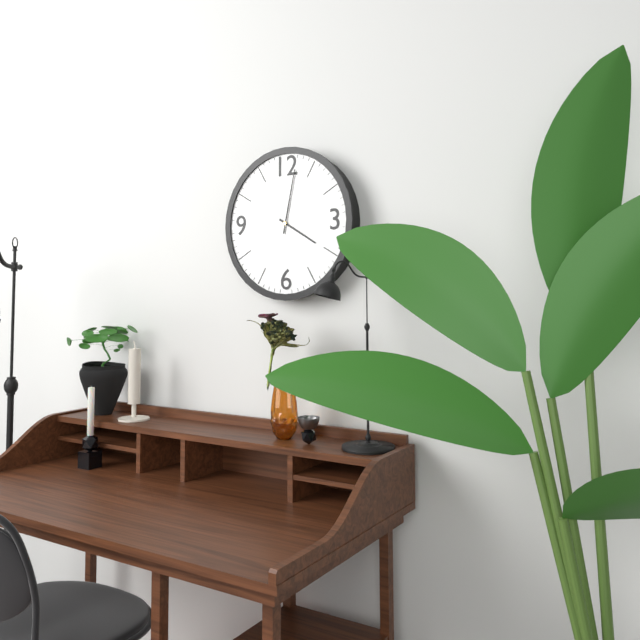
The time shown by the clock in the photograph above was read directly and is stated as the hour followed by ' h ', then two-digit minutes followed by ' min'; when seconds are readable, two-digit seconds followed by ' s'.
4 h 02 min
